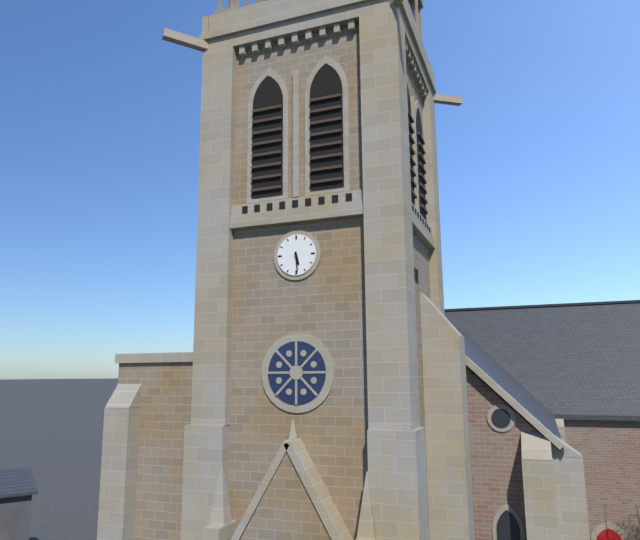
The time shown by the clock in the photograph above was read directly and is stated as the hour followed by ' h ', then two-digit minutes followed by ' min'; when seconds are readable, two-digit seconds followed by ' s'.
5 h 29 min
